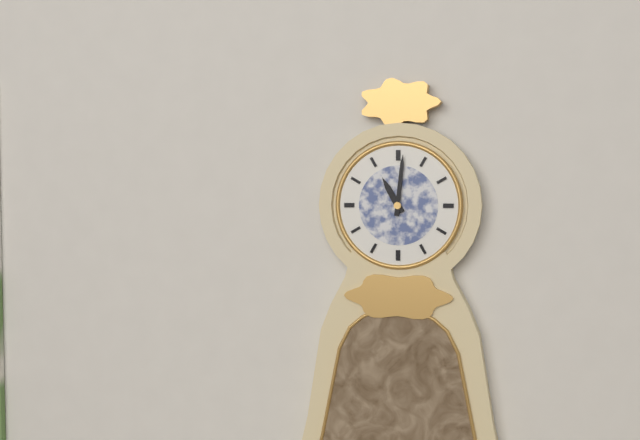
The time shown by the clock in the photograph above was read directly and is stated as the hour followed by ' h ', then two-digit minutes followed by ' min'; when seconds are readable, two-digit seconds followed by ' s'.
11 h 01 min
